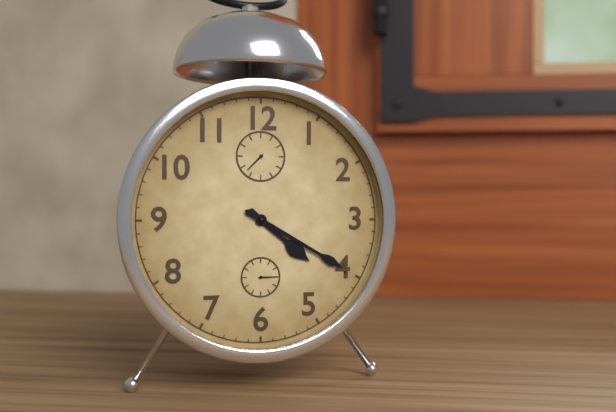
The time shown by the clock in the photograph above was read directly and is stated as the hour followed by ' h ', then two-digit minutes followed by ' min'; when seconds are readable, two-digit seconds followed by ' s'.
4 h 20 min
